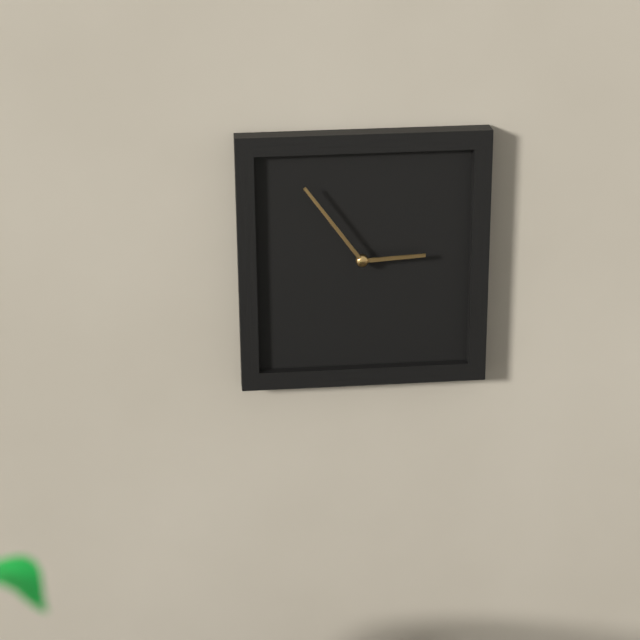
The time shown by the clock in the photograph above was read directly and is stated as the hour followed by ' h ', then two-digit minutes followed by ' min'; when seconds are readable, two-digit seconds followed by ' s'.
2 h 54 min
